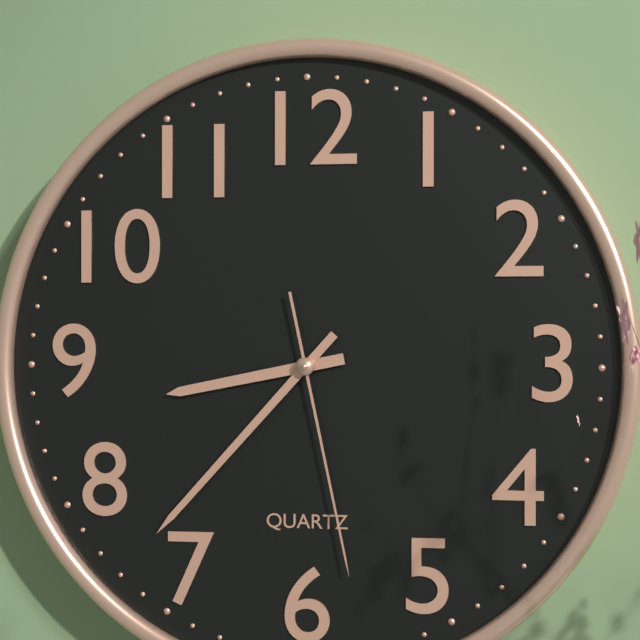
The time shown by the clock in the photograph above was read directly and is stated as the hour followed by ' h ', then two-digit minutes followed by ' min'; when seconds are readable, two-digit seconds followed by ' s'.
8 h 37 min 28 s
